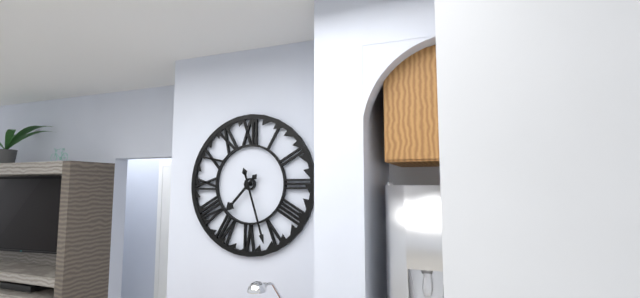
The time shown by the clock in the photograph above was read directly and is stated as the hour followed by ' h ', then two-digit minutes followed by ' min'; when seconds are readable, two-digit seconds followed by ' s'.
7 h 27 min
